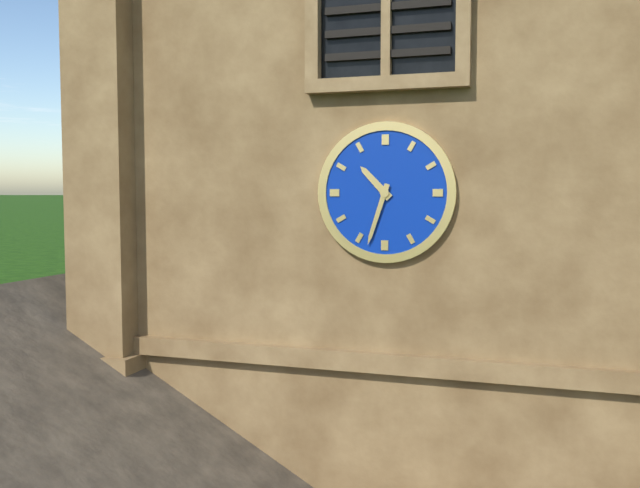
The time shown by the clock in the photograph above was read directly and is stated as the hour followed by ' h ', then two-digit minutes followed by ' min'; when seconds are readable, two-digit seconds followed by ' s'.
10 h 33 min
